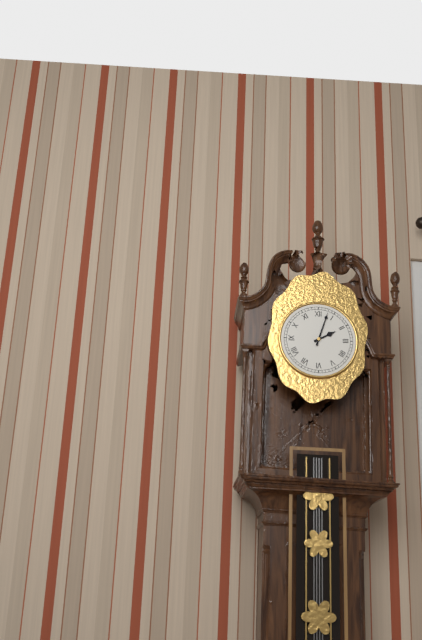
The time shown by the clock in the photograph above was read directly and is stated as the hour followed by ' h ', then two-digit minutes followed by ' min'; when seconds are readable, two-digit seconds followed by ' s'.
2 h 03 min
